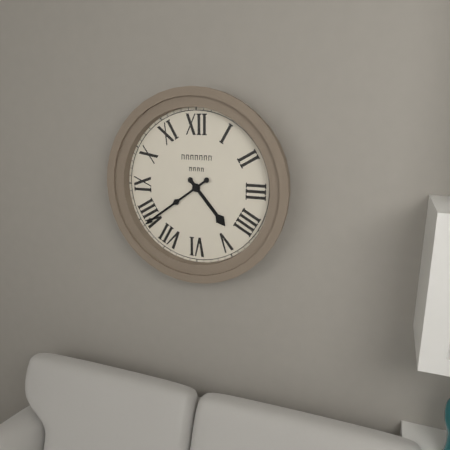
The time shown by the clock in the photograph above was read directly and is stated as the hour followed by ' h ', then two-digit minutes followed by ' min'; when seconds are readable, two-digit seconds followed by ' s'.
4 h 39 min
